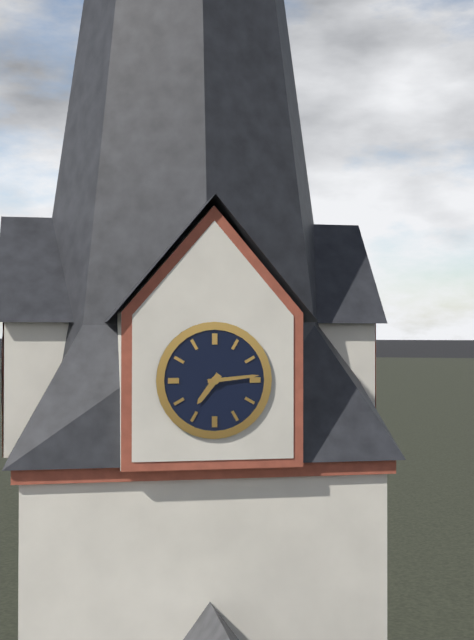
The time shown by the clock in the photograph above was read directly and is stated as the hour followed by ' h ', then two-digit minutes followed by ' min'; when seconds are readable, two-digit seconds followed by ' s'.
7 h 14 min
